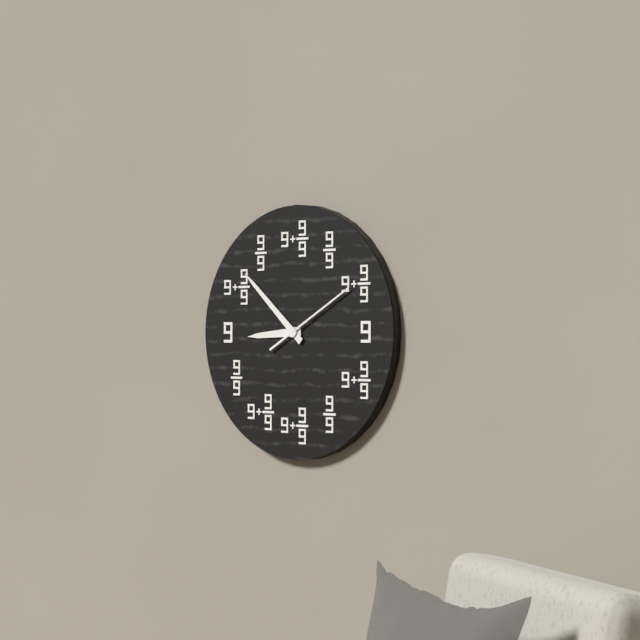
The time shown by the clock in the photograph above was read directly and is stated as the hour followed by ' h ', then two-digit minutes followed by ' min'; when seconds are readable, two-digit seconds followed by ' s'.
8 h 52 min 10 s
